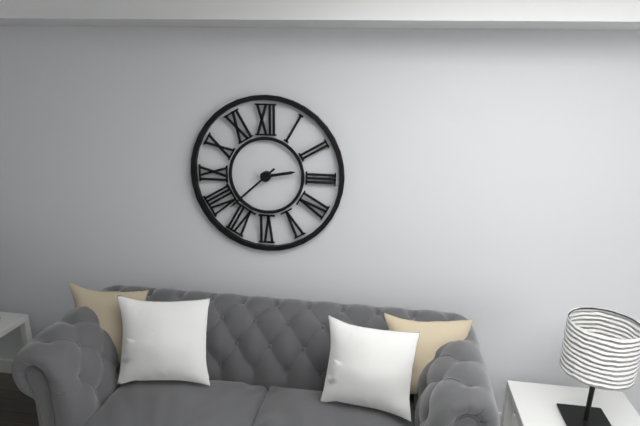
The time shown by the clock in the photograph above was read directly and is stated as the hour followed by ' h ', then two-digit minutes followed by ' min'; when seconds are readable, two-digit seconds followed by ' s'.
2 h 38 min
